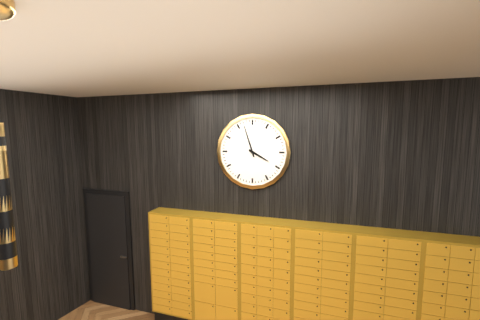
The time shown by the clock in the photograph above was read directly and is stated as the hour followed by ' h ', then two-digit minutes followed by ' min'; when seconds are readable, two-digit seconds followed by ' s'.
3 h 57 min
